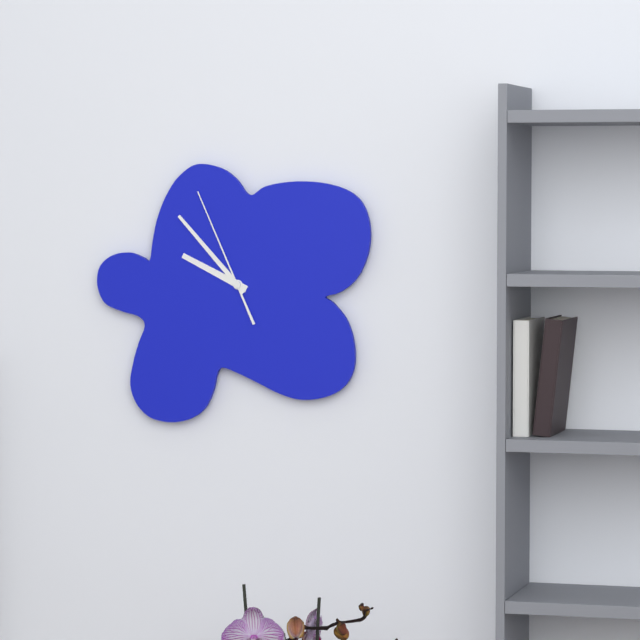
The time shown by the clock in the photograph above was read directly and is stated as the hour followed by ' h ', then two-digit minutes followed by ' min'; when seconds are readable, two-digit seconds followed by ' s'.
9 h 53 min 56 s
